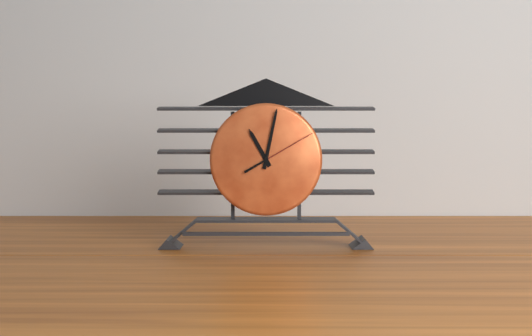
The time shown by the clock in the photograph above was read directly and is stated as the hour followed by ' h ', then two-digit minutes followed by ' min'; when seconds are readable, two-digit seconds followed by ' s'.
11 h 02 min 10 s
